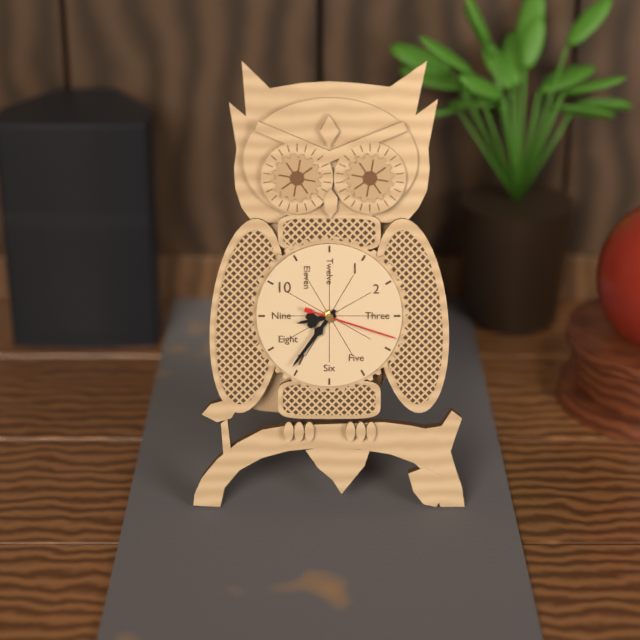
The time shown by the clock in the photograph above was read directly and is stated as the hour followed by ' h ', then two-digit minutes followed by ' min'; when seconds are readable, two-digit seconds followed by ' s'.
8 h 36 min 18 s
